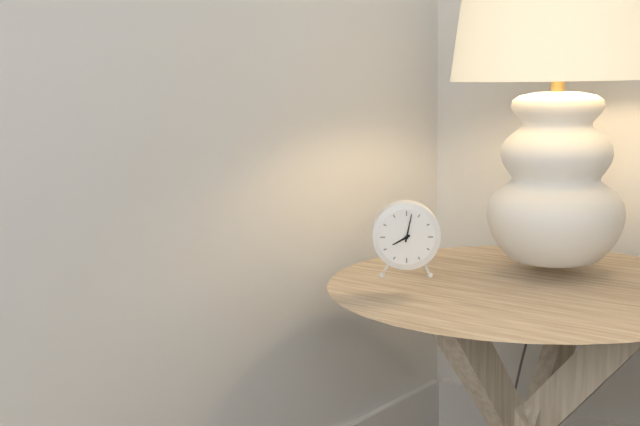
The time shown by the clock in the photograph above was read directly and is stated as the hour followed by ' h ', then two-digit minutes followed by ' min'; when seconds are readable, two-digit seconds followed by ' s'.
8 h 02 min
